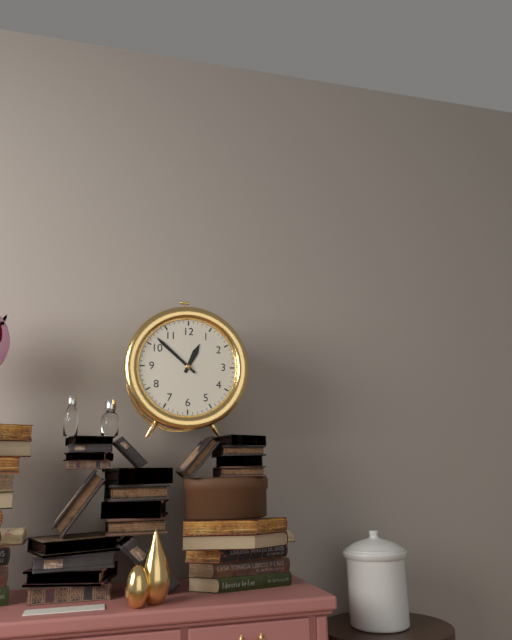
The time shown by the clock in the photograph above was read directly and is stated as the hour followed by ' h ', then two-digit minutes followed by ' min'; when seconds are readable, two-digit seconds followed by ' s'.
12 h 52 min
